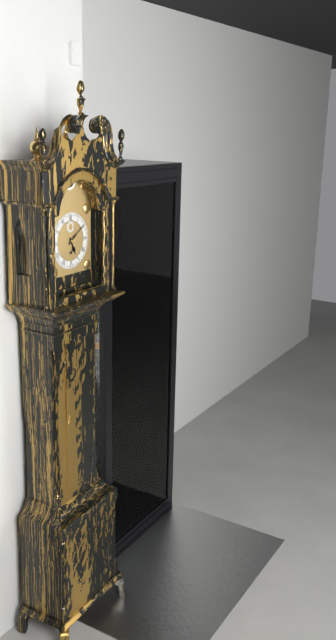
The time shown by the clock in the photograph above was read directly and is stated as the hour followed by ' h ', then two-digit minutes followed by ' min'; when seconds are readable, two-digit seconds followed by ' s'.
5 h 09 min
